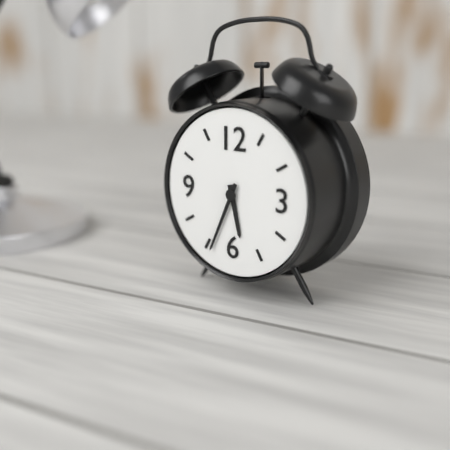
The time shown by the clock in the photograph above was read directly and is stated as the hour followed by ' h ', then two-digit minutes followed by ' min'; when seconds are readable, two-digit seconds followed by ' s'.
5 h 34 min
